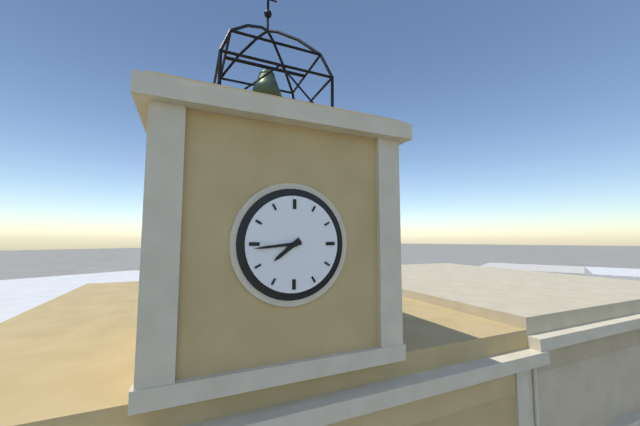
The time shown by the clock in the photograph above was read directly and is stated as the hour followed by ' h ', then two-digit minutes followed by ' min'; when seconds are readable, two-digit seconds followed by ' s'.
7 h 44 min
